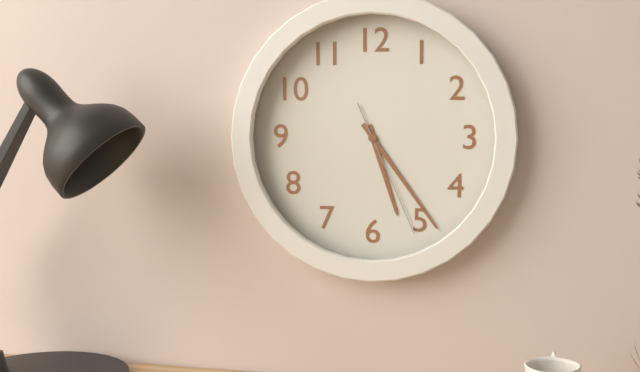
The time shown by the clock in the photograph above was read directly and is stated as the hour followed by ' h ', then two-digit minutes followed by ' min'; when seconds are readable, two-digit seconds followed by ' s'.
5 h 24 min 26 s
